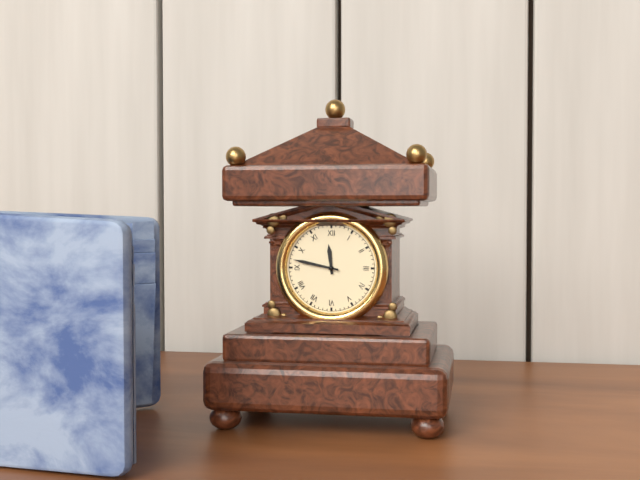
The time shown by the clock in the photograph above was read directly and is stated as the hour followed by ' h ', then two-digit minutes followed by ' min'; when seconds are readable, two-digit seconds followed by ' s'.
11 h 47 min
